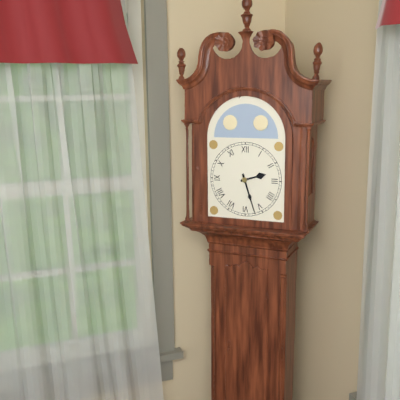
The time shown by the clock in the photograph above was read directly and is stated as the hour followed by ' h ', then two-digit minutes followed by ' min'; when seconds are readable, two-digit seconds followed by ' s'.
2 h 27 min
